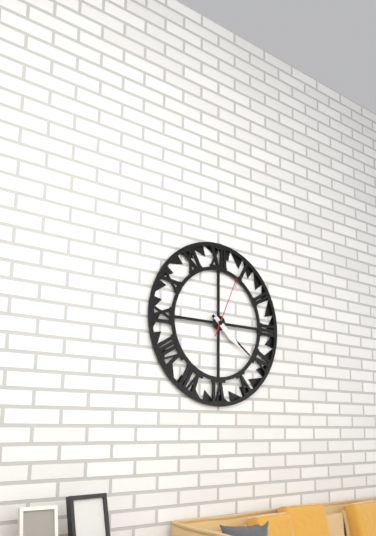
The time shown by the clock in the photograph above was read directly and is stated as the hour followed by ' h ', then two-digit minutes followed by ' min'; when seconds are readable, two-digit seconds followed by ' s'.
4 h 21 min 04 s
